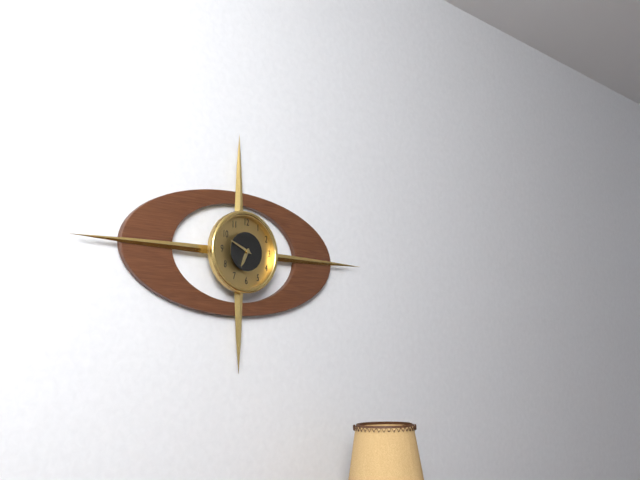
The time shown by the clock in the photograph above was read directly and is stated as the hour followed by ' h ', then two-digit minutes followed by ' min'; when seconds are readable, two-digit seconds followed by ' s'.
6 h 49 min
